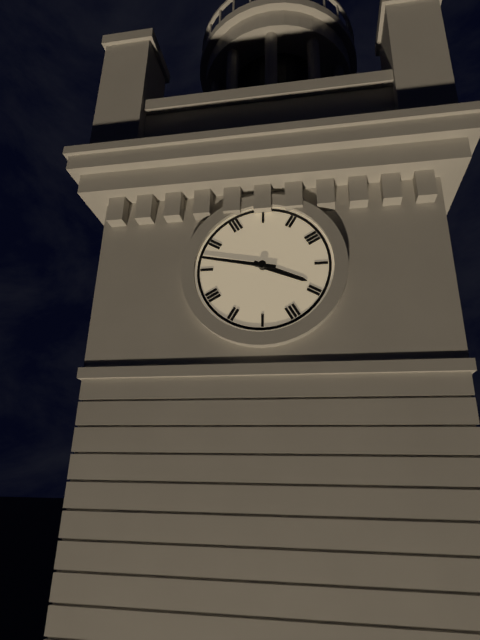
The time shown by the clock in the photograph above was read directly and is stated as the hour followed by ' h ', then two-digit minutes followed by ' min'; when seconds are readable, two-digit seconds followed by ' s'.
3 h 47 min
